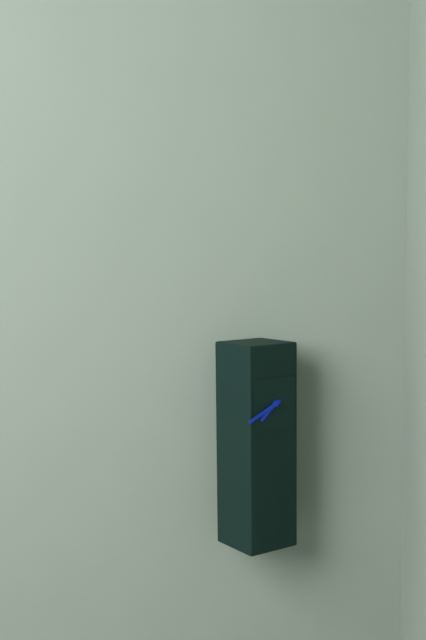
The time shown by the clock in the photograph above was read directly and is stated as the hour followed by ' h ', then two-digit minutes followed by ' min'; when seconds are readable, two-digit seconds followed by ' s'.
7 h 41 min
